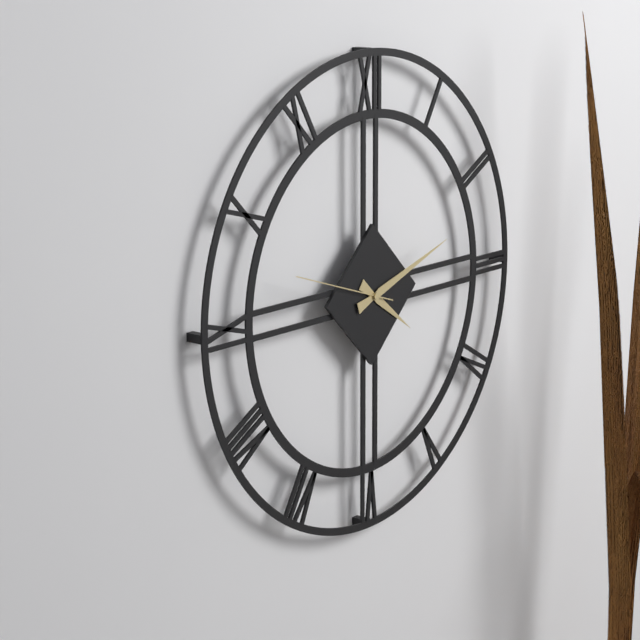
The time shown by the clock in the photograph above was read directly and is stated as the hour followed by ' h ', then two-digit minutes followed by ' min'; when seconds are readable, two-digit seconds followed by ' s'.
4 h 12 min 48 s
